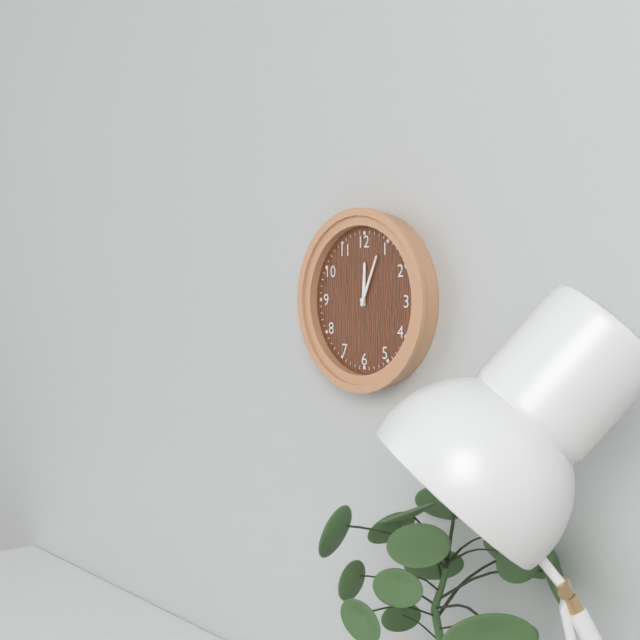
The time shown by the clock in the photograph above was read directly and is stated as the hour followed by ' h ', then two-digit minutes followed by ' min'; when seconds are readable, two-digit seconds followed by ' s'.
12 h 04 min
